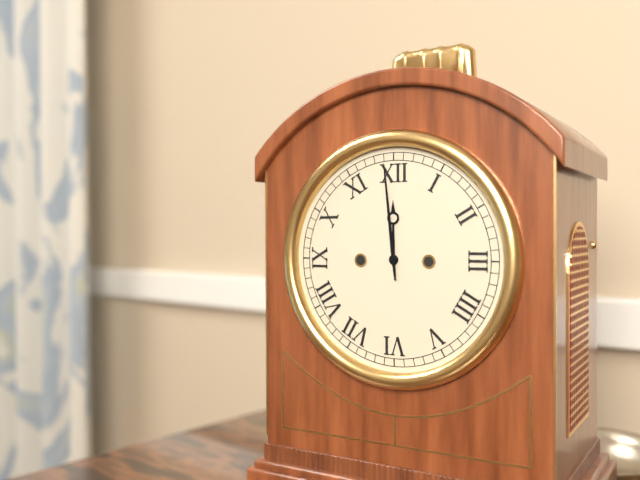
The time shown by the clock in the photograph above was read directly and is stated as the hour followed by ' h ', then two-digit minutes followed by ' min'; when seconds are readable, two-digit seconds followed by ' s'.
11 h 59 min
